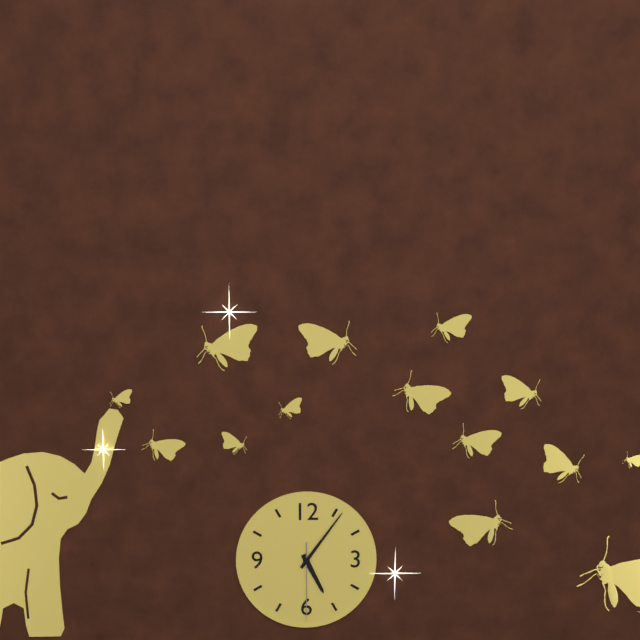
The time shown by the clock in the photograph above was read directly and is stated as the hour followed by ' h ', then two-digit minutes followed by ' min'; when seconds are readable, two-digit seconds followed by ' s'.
5 h 06 min 30 s
